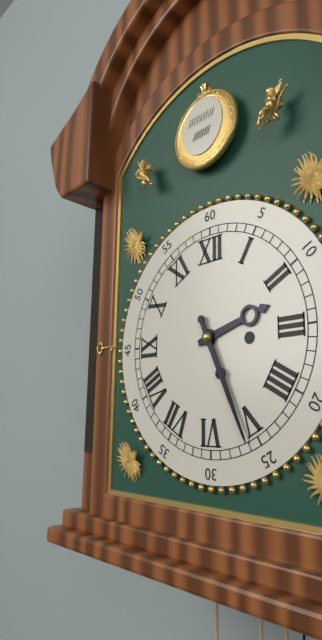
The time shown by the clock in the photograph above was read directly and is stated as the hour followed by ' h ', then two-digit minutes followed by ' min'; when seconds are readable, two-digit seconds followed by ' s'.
2 h 26 min
